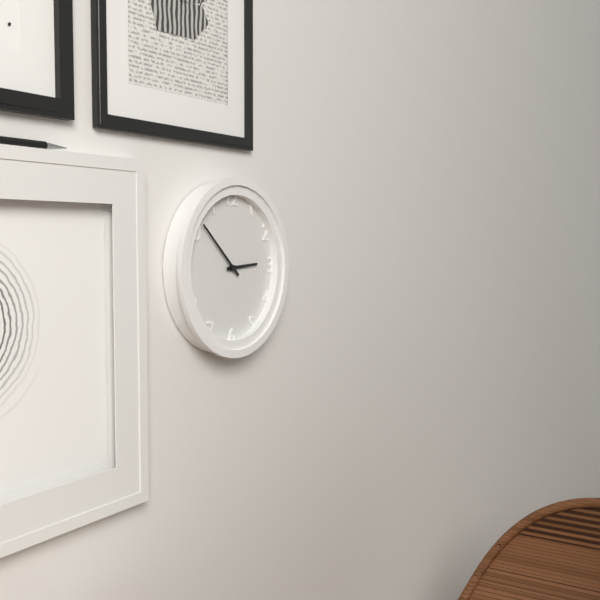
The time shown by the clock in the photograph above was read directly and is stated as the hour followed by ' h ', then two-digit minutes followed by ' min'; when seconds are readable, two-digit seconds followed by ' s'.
2 h 52 min
